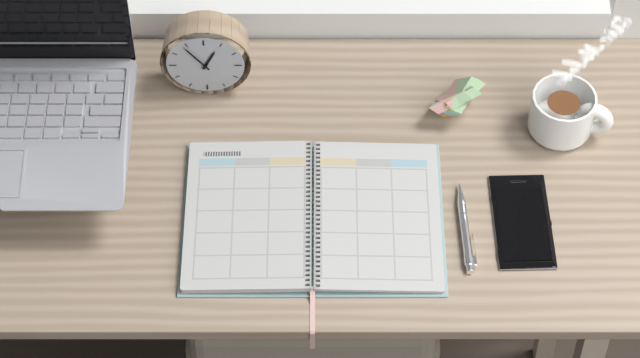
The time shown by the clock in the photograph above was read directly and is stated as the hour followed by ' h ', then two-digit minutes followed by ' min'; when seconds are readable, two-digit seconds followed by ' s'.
12 h 54 min
